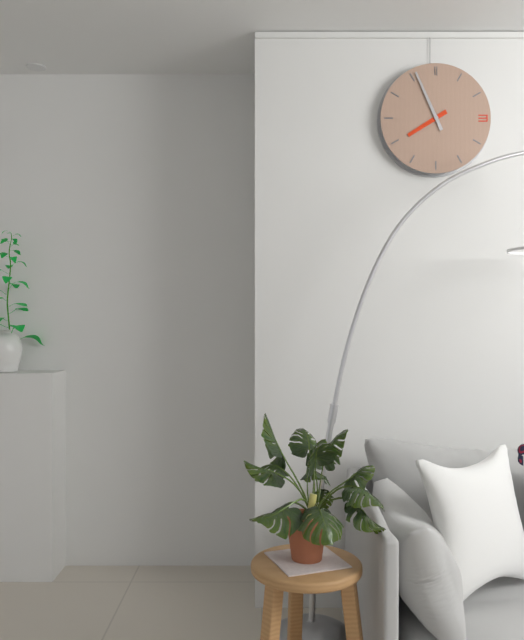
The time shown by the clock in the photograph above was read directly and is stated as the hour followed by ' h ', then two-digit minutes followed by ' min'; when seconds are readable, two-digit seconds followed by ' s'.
7 h 56 min
